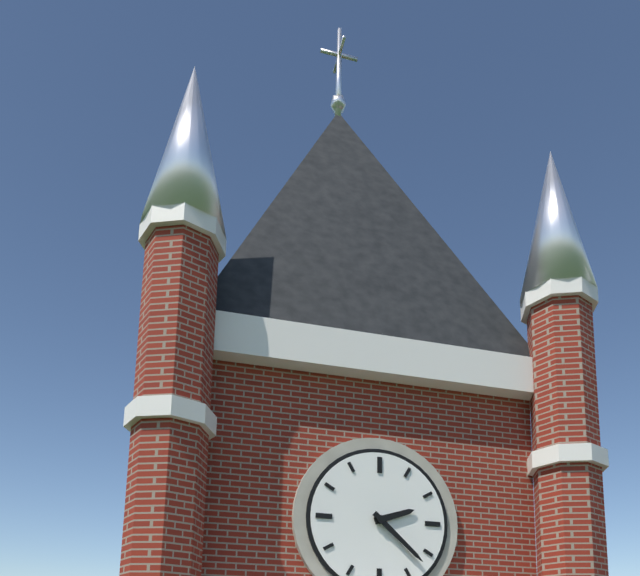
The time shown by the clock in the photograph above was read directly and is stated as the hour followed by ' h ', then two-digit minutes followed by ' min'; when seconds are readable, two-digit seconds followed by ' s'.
2 h 22 min
